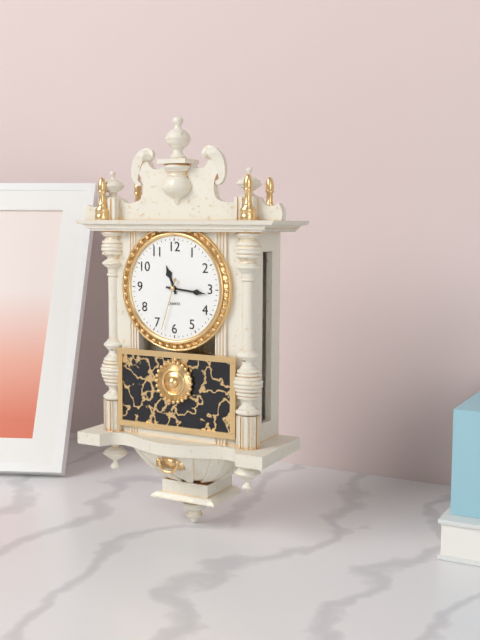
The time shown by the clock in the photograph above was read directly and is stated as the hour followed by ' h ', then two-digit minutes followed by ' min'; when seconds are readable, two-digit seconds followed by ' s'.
11 h 16 min 33 s
